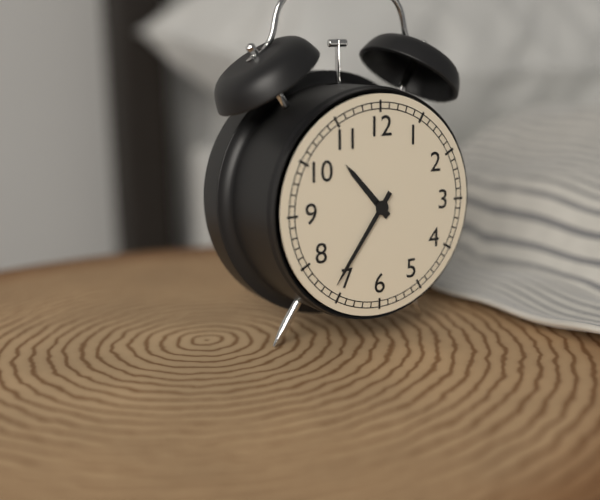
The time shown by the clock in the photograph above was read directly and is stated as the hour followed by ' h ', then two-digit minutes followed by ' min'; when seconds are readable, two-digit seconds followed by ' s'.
10 h 36 min
